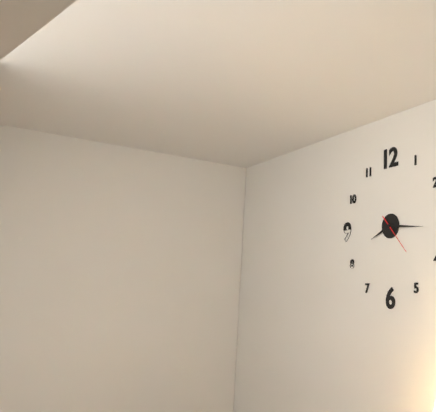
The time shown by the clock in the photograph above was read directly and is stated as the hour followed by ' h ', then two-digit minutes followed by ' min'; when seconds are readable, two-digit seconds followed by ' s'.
8 h 16 min
